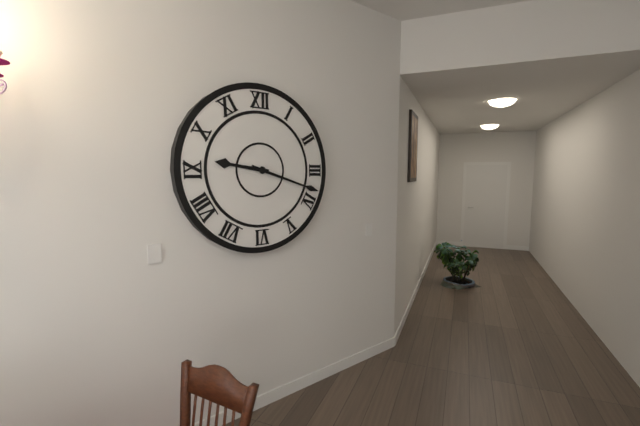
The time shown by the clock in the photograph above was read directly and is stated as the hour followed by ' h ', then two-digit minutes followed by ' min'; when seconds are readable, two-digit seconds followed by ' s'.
9 h 18 min
